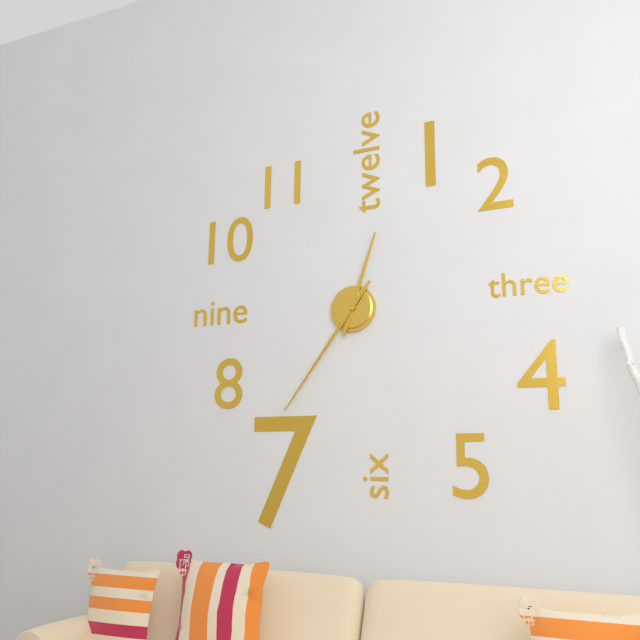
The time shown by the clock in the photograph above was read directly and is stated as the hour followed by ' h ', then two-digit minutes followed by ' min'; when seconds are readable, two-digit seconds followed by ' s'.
12 h 36 min
